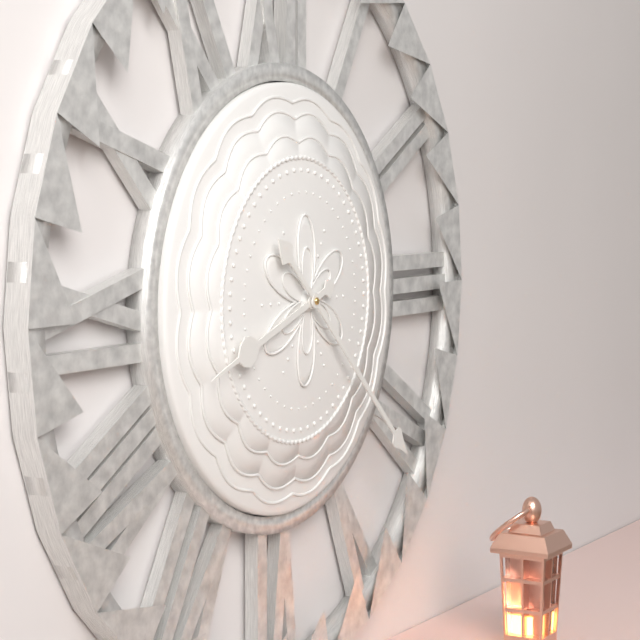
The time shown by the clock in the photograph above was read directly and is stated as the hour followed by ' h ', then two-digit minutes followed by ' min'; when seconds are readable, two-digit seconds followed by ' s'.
8 h 22 min
